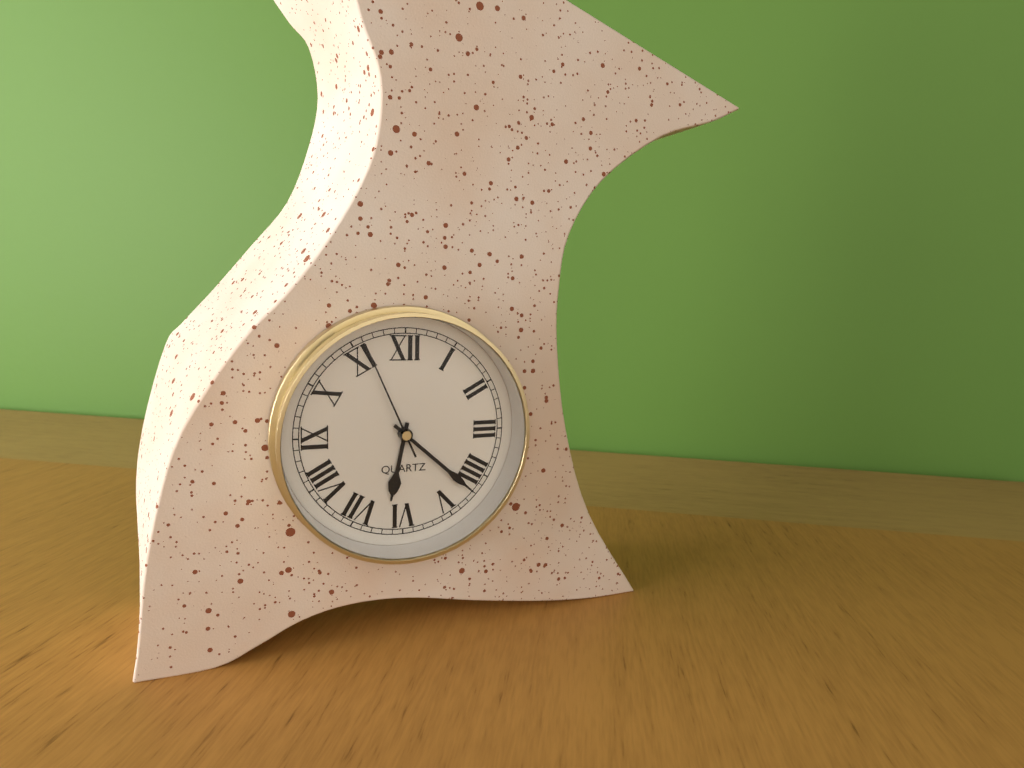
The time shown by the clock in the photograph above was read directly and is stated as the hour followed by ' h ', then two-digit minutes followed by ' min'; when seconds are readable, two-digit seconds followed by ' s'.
6 h 22 min 56 s
